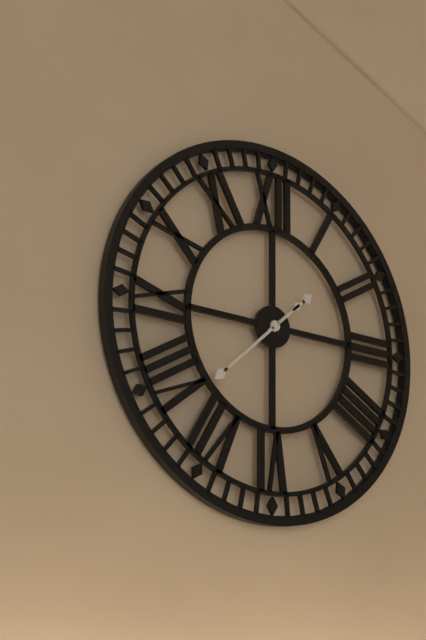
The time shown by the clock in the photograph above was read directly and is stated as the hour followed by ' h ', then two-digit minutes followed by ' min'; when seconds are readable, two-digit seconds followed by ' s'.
1 h 38 min
